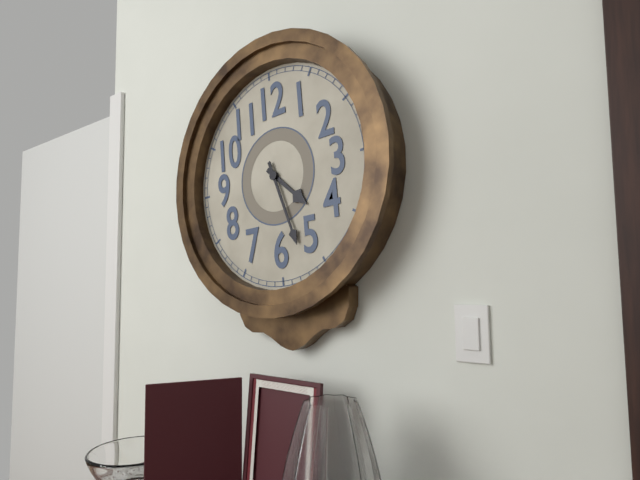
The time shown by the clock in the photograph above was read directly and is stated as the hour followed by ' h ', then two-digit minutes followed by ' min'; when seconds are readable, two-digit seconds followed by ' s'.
4 h 27 min
